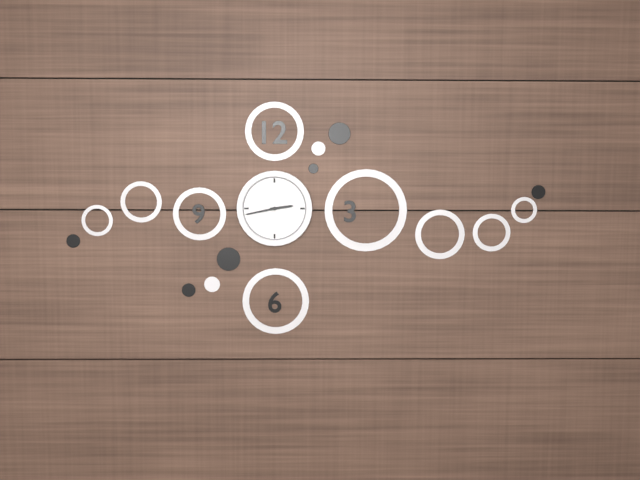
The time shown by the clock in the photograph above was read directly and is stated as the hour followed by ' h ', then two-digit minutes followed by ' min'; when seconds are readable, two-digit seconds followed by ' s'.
2 h 43 min
